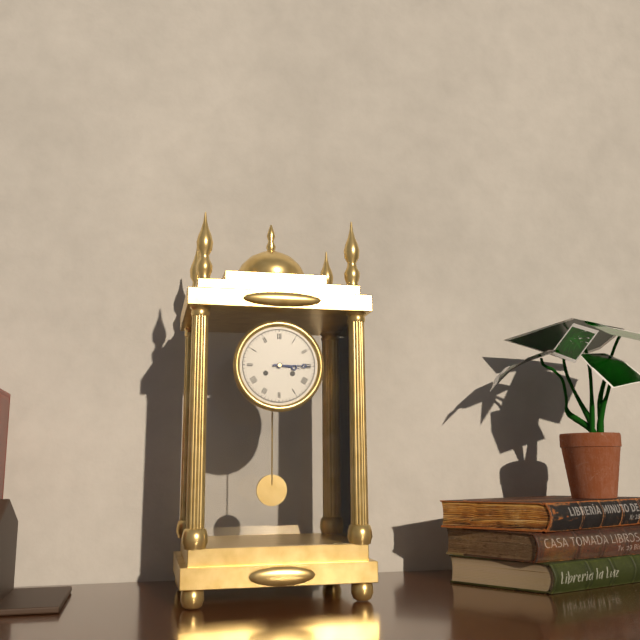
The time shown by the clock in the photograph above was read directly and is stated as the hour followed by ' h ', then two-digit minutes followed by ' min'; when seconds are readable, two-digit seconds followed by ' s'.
3 h 15 min
